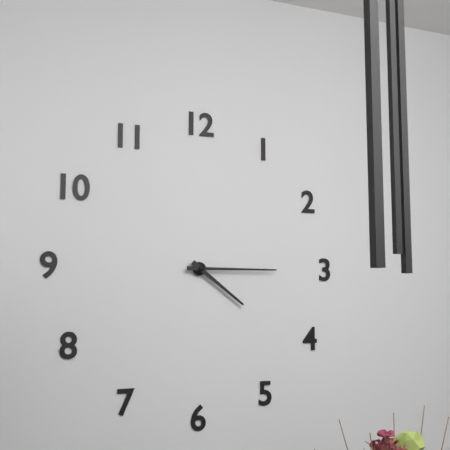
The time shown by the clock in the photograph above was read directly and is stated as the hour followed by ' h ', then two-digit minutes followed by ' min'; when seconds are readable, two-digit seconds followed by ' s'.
4 h 15 min
